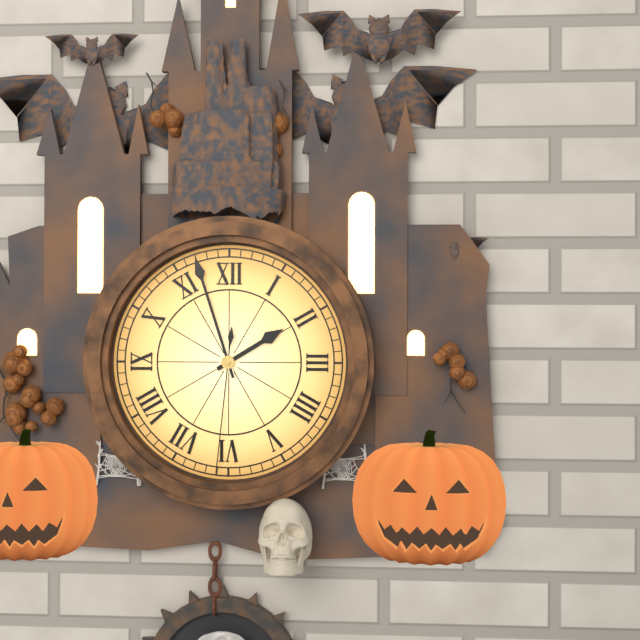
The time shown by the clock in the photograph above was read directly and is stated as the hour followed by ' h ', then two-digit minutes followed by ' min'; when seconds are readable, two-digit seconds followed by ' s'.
1 h 57 min 31 s
